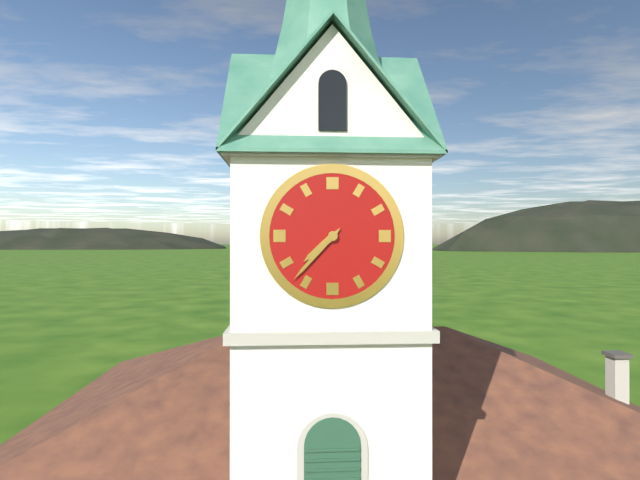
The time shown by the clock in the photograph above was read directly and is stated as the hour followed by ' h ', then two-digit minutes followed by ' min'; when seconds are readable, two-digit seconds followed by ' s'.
7 h 37 min
